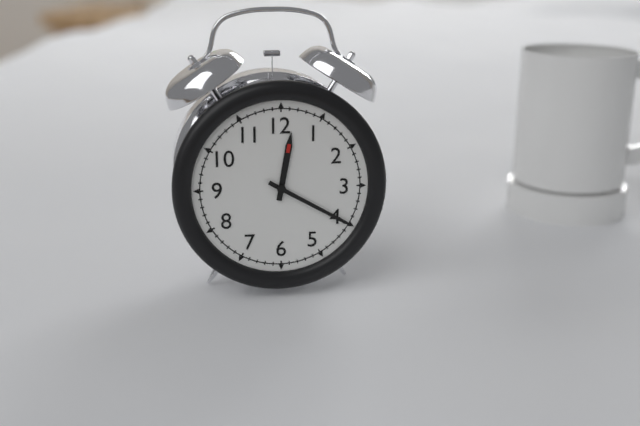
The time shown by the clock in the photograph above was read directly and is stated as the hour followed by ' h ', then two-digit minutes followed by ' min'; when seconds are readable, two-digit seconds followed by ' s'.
12 h 20 min
